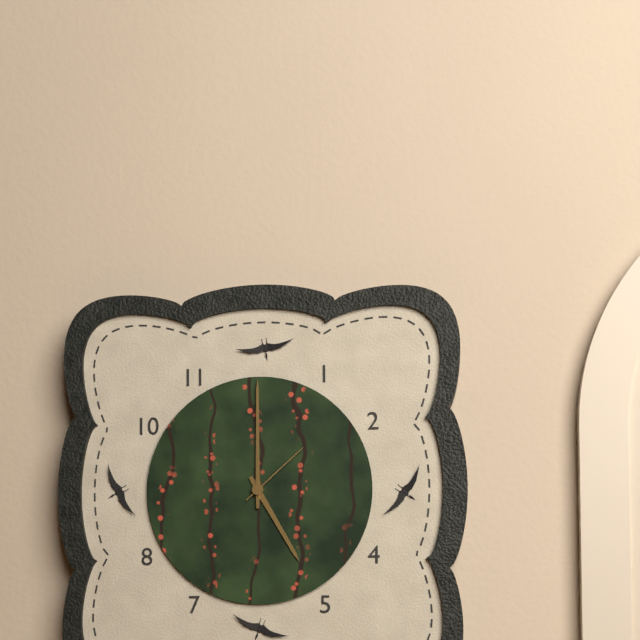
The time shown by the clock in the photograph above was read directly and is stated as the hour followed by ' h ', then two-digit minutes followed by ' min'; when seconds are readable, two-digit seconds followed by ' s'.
5 h 00 min 08 s
